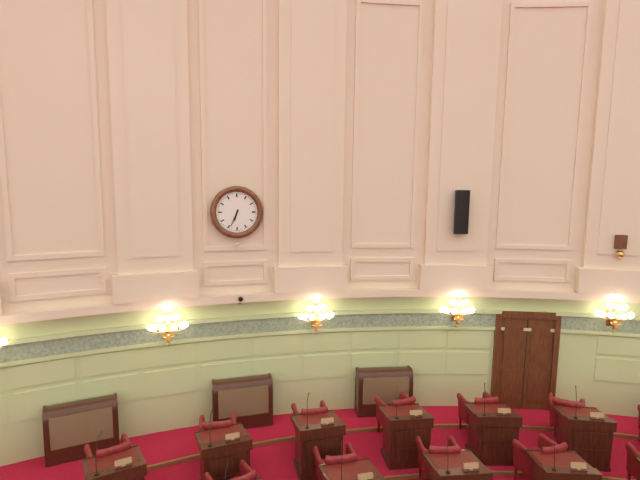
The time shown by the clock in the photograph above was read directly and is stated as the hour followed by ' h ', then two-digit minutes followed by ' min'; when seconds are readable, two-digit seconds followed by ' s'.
6 h 34 min
